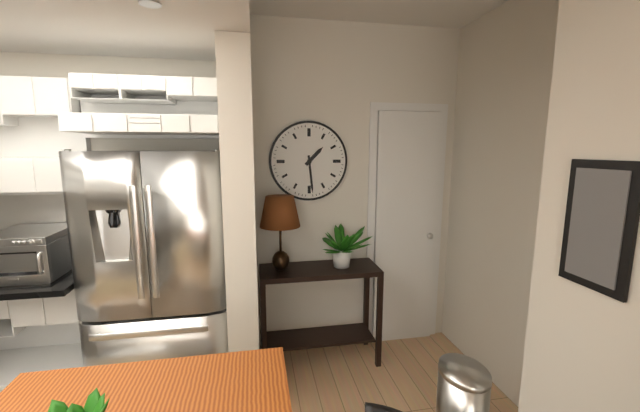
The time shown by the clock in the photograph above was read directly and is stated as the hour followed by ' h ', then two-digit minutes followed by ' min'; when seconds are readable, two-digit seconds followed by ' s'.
1 h 29 min
